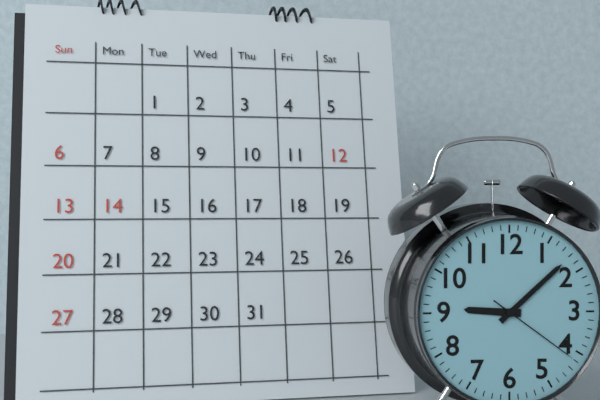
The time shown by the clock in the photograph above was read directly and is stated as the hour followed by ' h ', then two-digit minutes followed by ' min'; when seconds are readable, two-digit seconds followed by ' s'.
9 h 08 min 21 s
